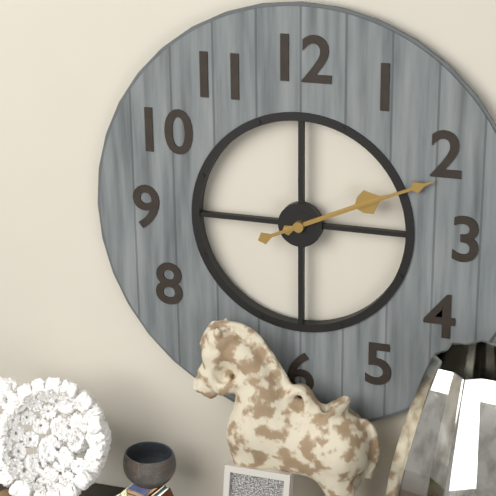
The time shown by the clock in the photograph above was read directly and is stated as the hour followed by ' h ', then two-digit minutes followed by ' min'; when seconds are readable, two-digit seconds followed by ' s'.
2 h 11 min
